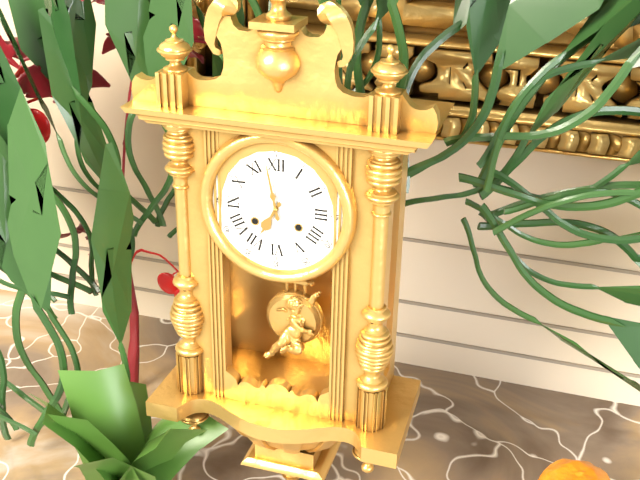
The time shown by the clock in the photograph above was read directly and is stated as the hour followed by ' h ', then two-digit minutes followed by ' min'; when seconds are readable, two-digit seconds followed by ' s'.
6 h 58 min
